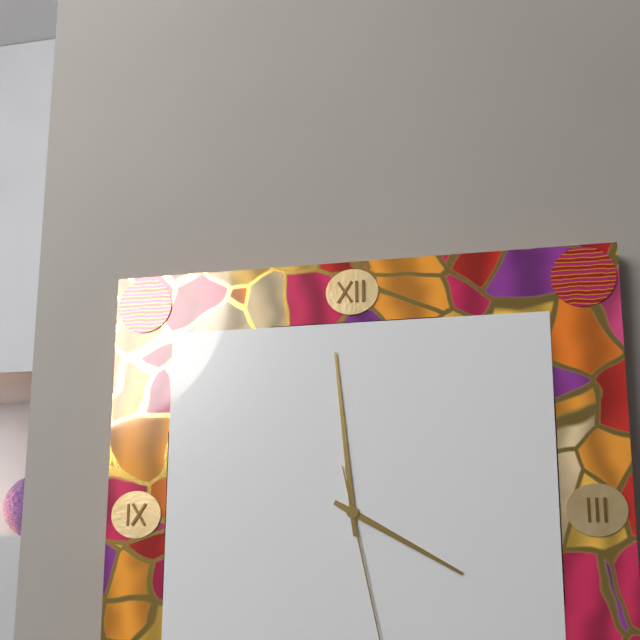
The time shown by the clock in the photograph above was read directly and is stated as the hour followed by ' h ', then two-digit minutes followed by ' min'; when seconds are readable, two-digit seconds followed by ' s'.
3 h 59 min
